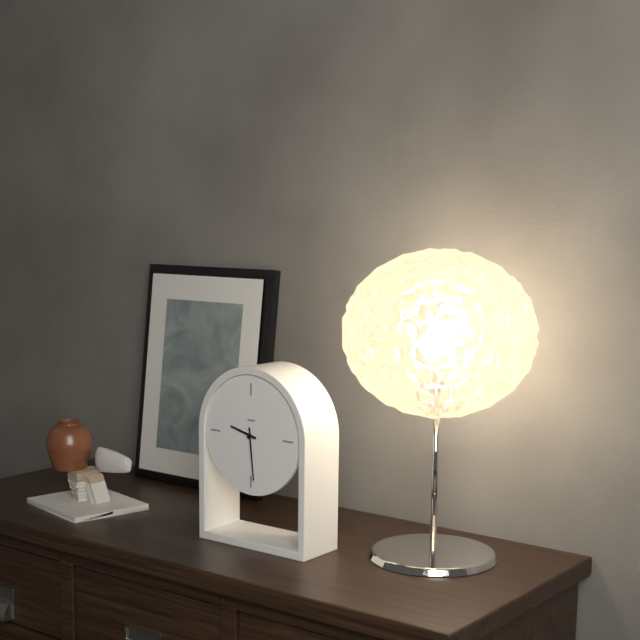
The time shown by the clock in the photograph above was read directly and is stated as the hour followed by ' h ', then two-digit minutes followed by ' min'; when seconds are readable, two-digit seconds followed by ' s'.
9 h 29 min
